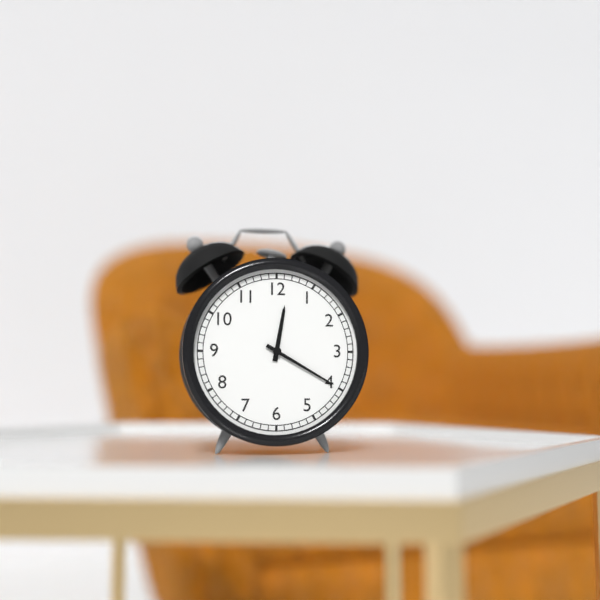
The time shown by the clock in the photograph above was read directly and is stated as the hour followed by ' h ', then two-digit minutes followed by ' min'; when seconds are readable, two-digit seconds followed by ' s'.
12 h 20 min
